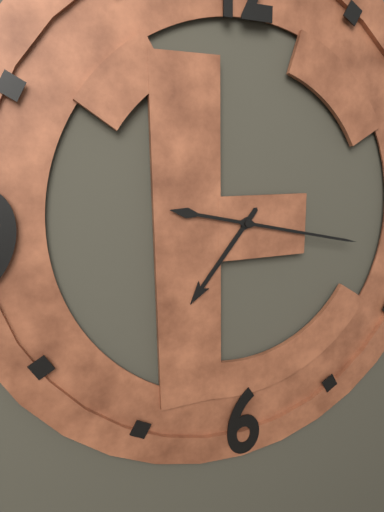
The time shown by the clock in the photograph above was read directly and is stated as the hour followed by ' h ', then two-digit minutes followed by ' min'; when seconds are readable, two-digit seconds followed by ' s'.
7 h 17 min
